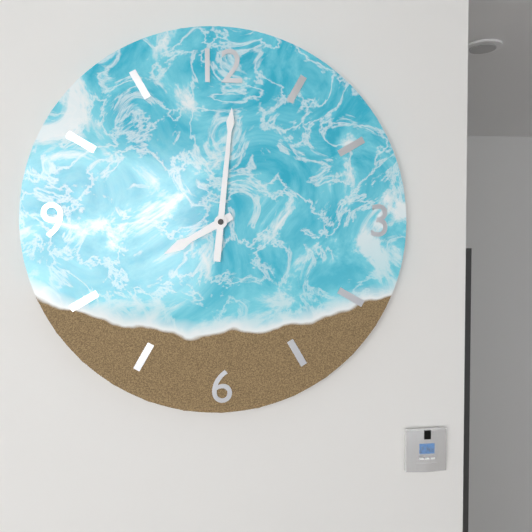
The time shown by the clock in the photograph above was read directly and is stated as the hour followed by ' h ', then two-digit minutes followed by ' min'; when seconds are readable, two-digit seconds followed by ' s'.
8 h 01 min
